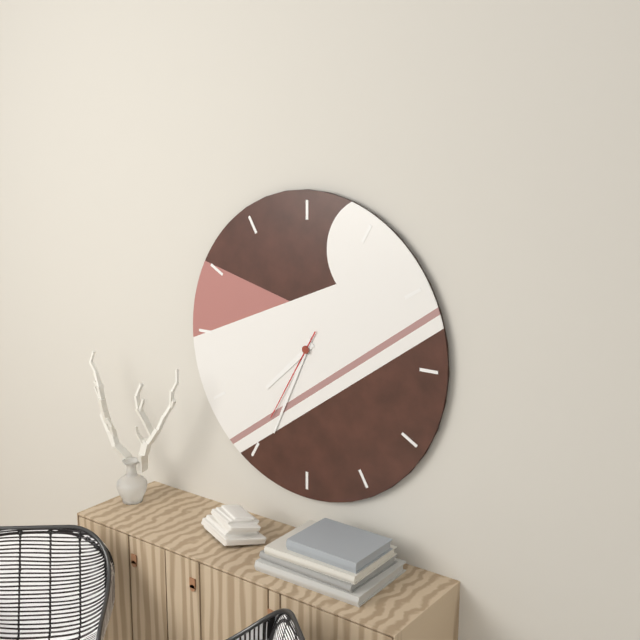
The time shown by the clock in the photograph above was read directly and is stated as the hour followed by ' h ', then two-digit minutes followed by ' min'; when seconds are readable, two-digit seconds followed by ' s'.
7 h 34 min 35 s
